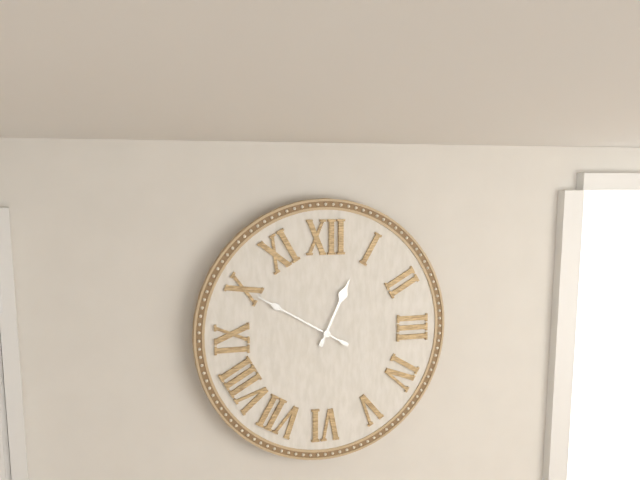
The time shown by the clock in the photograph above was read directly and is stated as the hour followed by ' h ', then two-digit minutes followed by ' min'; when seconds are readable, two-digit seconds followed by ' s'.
12 h 50 min
